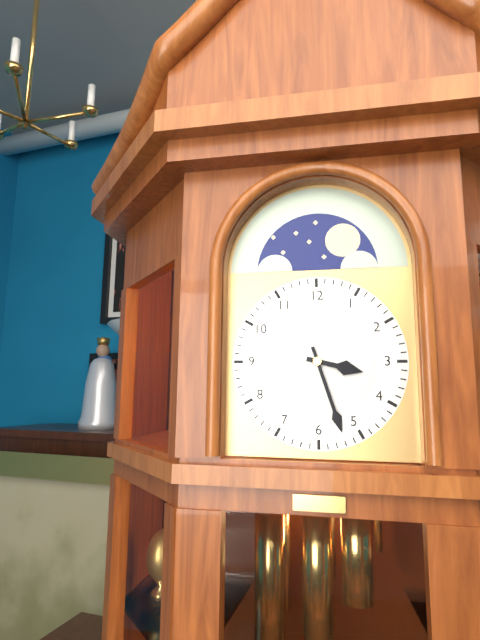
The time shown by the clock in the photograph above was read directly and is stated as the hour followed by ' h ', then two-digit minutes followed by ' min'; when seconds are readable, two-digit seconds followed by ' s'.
3 h 27 min
